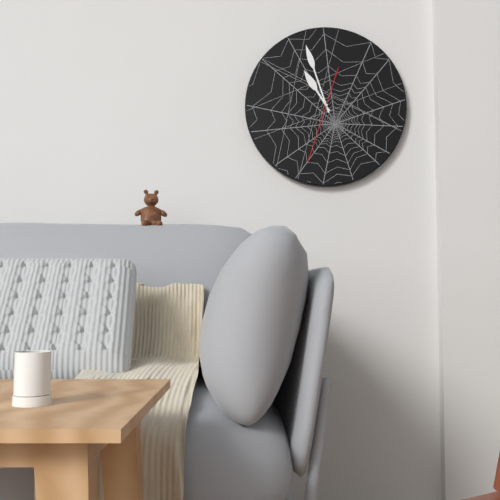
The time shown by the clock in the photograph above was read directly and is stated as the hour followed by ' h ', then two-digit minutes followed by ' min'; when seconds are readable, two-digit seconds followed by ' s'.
10 h 57 min 33 s
